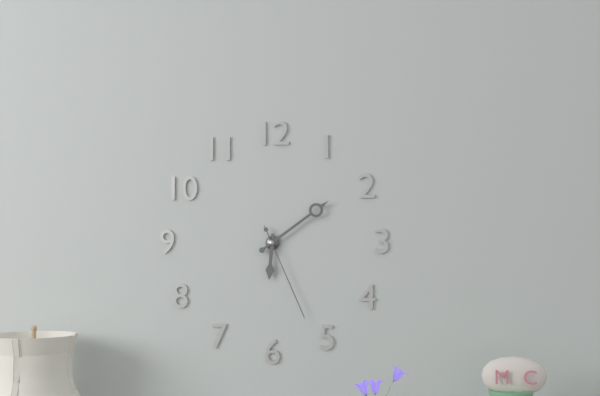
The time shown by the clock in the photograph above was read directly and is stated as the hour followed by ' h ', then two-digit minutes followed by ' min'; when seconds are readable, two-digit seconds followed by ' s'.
6 h 09 min 26 s
